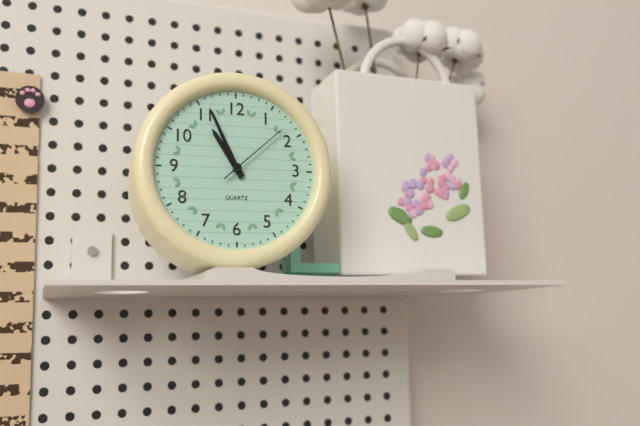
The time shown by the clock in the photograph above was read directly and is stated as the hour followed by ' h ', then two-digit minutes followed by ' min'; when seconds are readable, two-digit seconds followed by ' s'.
10 h 56 min 08 s
